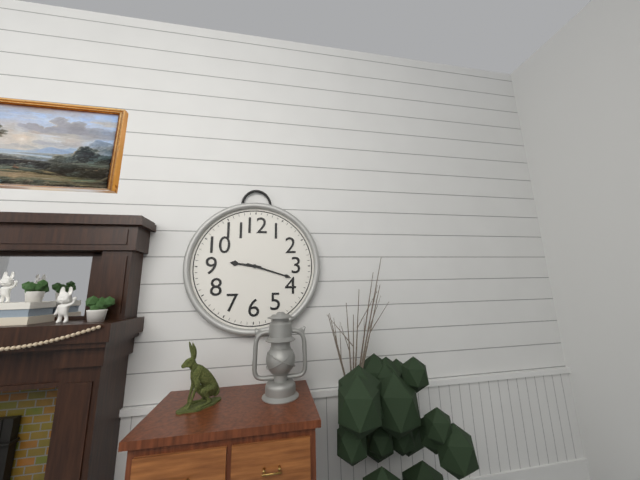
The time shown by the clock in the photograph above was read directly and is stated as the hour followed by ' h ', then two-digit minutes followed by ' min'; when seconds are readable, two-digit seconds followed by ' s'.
9 h 18 min
